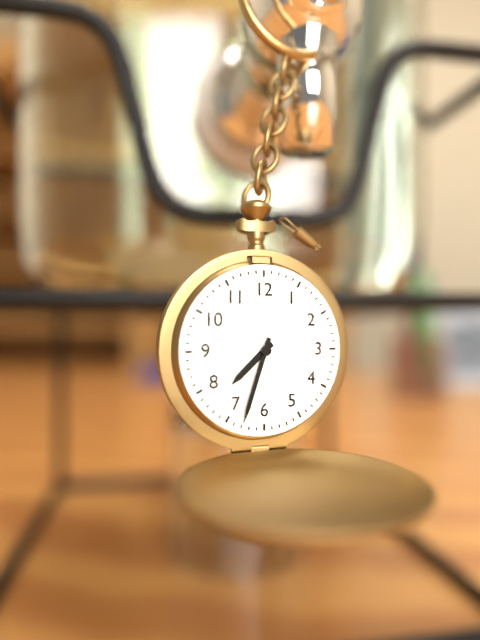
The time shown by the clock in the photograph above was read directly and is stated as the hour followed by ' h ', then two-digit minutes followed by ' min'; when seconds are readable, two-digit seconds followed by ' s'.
7 h 33 min
